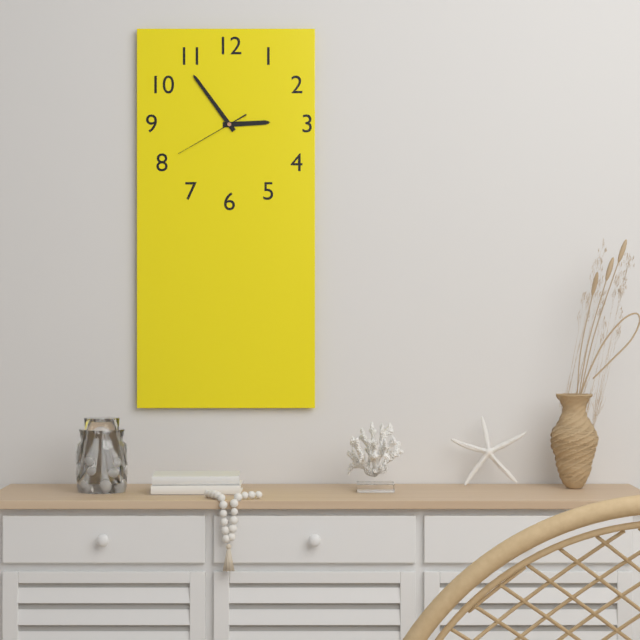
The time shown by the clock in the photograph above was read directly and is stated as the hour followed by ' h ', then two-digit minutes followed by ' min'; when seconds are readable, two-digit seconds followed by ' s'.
2 h 54 min 40 s
